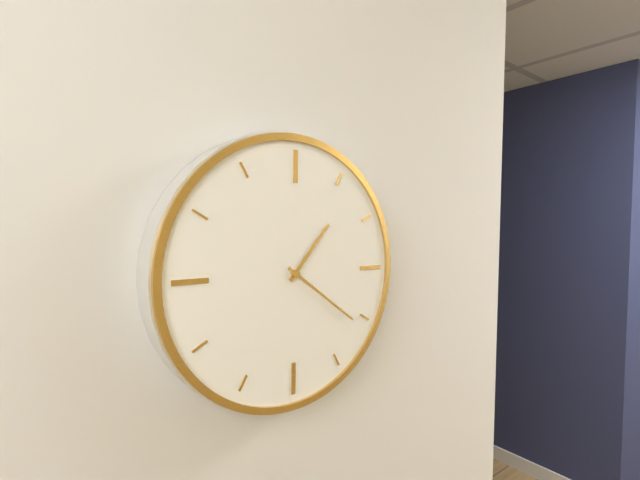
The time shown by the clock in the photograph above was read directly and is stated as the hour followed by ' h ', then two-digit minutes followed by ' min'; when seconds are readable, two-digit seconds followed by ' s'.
1 h 21 min
